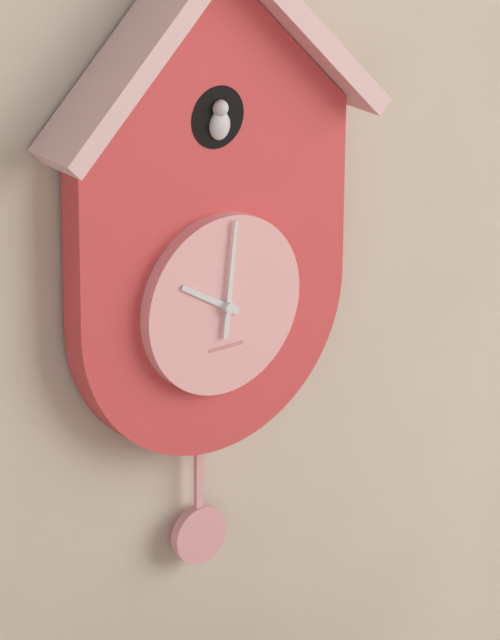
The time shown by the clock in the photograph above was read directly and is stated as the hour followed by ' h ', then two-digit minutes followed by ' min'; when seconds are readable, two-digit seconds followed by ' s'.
10 h 01 min
